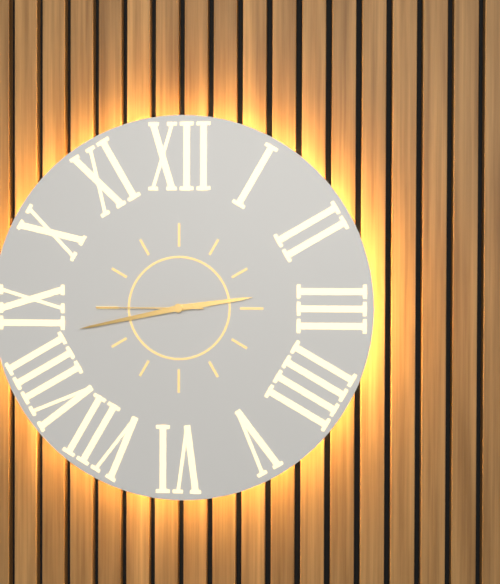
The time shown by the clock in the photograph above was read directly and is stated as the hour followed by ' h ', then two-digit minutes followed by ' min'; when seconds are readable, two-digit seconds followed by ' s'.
2 h 43 min 45 s
